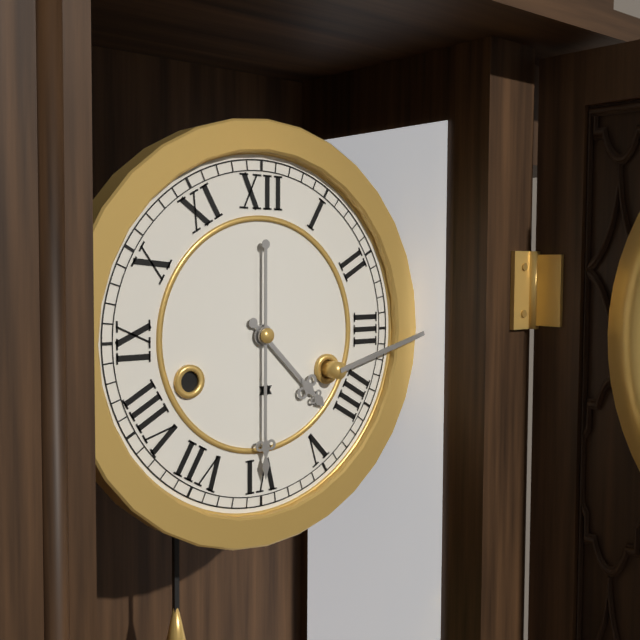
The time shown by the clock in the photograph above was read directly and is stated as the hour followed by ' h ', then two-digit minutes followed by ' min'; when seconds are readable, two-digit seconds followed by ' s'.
4 h 30 min
